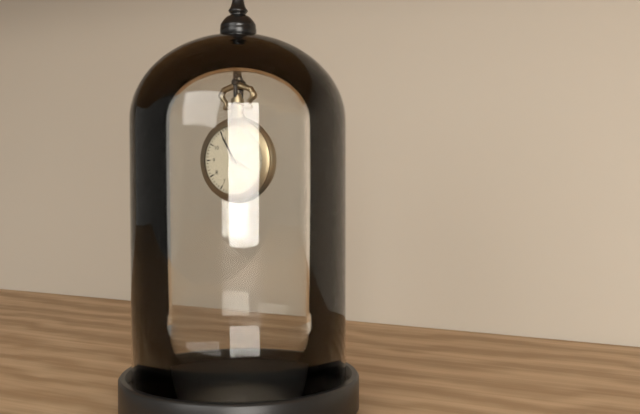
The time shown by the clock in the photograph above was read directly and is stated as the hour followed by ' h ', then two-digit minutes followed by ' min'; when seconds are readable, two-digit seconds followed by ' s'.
3 h 55 min
